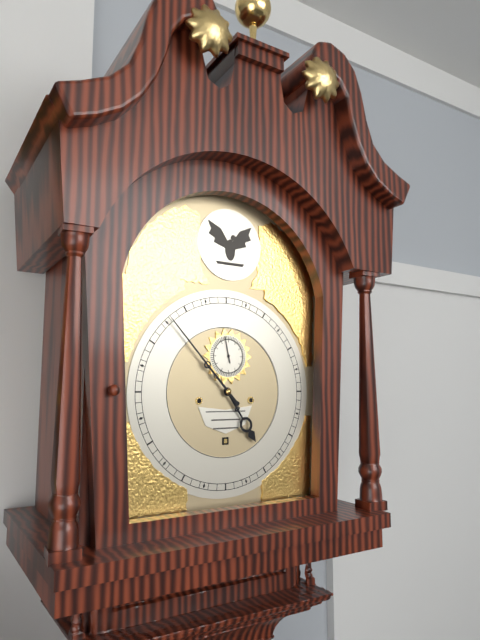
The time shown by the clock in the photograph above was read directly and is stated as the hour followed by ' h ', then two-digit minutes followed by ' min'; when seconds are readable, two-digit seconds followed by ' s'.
4 h 53 min
